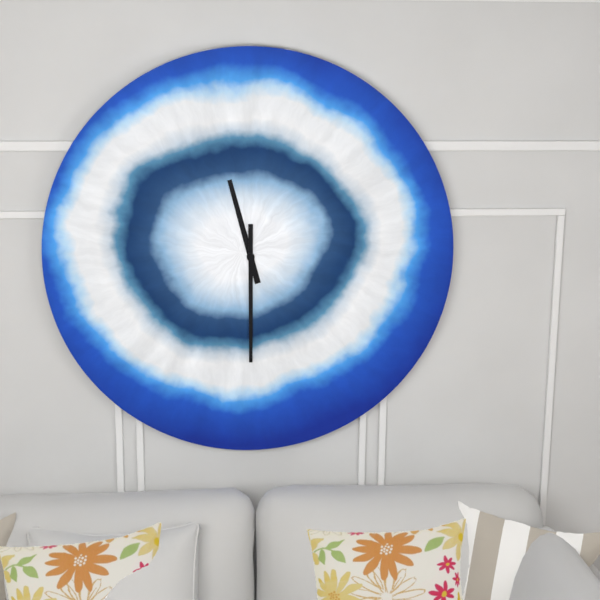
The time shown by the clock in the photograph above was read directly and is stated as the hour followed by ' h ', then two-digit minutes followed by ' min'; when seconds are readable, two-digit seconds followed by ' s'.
11 h 30 min
